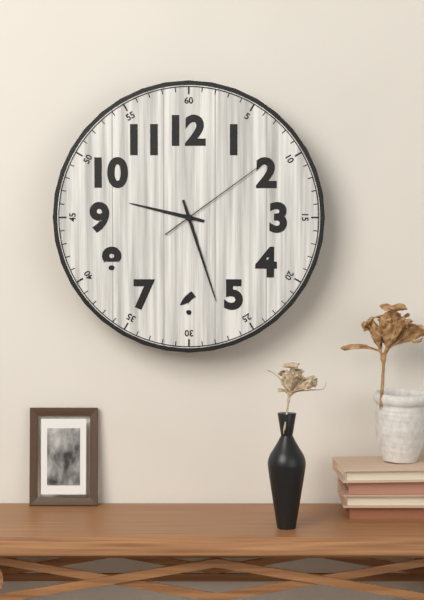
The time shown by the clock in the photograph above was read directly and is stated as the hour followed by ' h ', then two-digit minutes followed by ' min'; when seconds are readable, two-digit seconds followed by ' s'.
9 h 27 min 09 s
